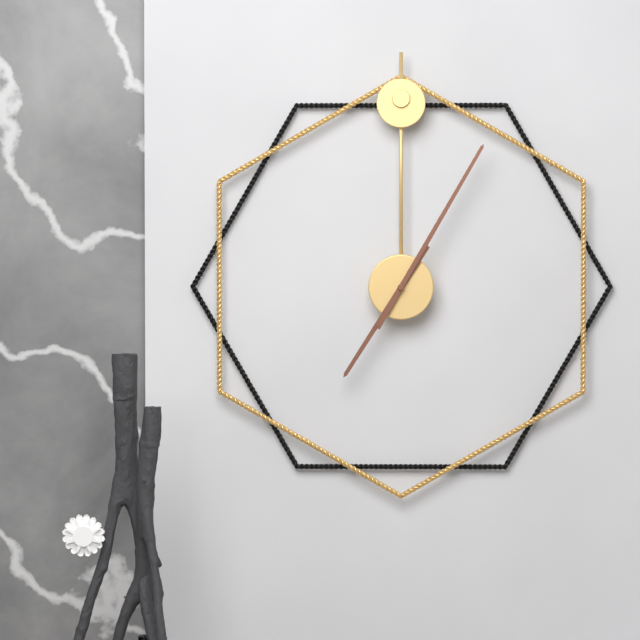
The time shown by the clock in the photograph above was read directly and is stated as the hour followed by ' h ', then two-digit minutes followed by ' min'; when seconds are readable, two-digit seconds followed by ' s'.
7 h 05 min
